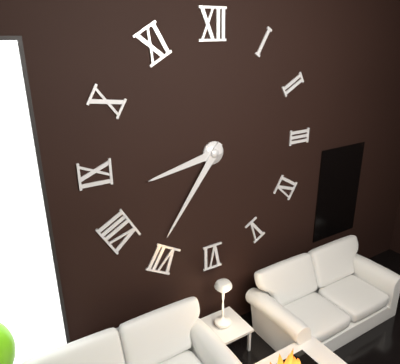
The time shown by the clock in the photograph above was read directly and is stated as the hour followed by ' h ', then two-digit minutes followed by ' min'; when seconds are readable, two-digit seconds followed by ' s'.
8 h 36 min
